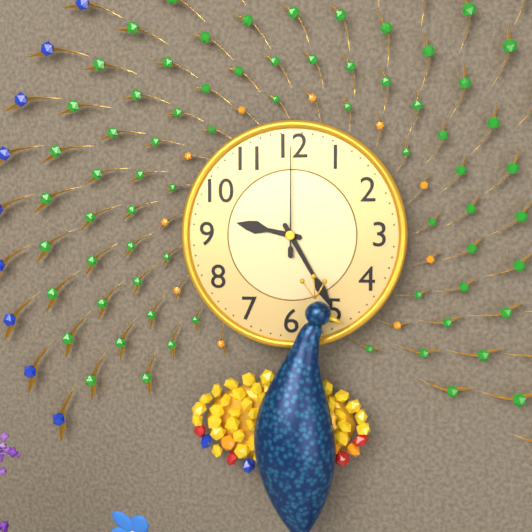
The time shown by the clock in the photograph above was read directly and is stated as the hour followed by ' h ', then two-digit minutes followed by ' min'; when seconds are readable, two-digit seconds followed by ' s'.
9 h 25 min 00 s
